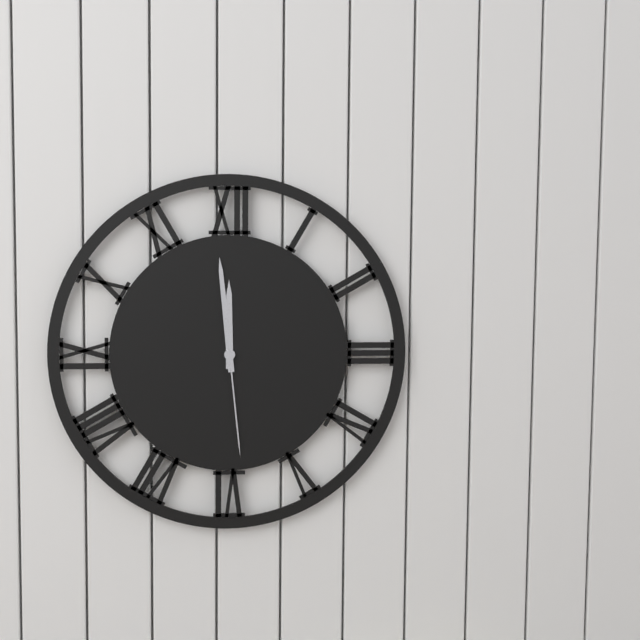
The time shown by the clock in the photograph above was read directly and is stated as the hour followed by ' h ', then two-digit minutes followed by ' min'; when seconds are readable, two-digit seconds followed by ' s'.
11 h 59 min 29 s
